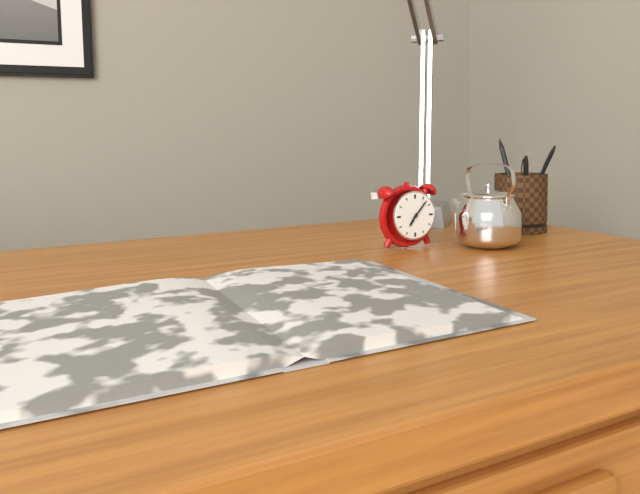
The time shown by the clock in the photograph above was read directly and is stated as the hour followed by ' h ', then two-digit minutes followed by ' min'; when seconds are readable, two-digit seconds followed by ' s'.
7 h 07 min
